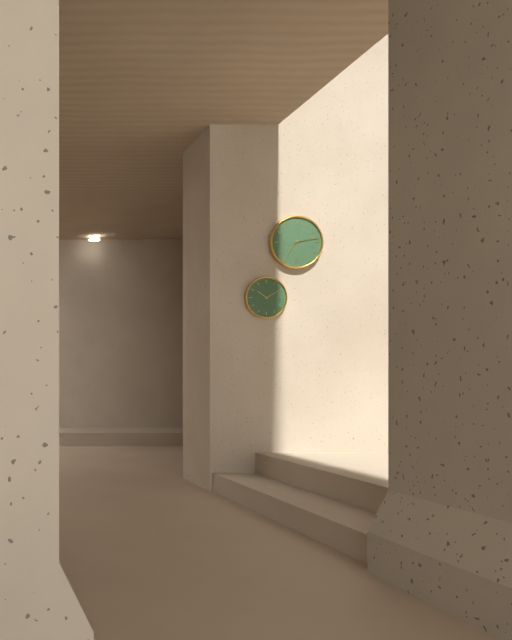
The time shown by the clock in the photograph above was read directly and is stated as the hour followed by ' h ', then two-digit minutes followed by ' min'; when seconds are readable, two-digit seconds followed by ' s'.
7 h 13 min
